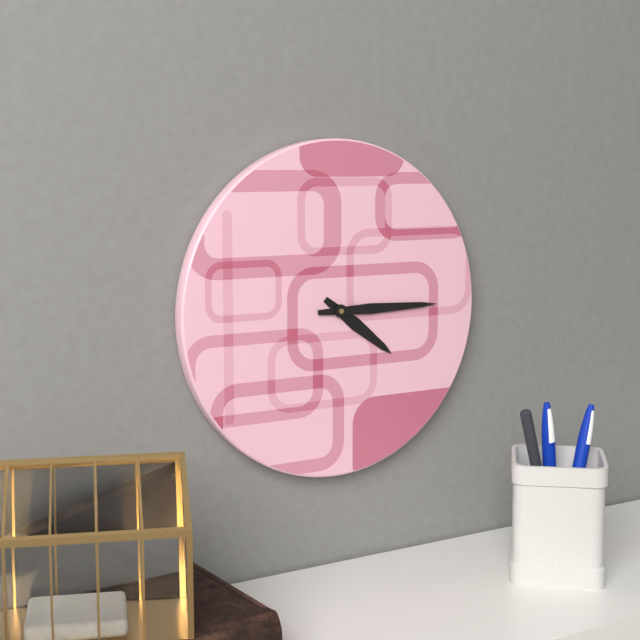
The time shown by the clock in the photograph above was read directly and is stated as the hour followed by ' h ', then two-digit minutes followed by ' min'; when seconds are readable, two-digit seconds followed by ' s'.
4 h 15 min
